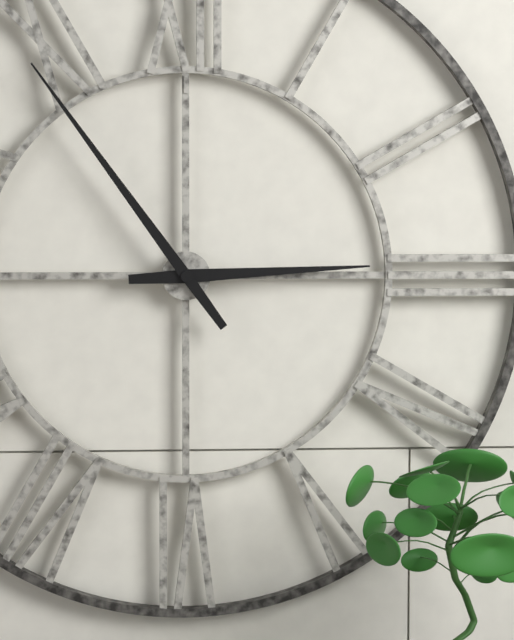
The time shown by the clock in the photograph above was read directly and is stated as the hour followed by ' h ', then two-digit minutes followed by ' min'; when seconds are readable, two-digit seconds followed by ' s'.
2 h 54 min
